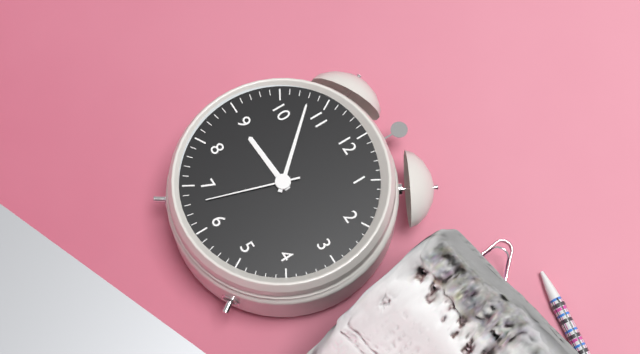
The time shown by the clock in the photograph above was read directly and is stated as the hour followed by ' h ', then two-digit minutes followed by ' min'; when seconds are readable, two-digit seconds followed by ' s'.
8 h 53 min 33 s
